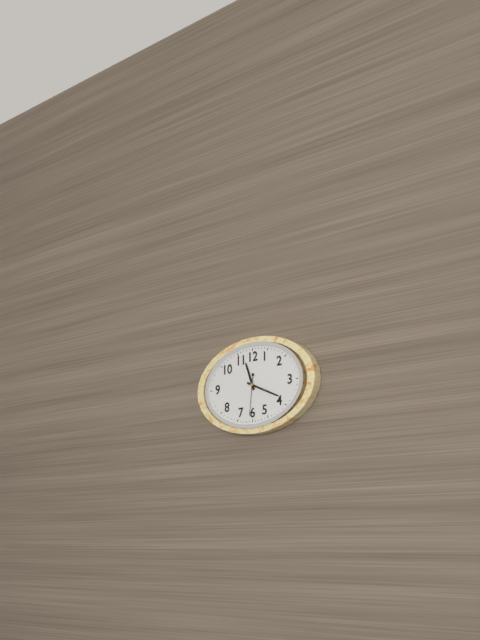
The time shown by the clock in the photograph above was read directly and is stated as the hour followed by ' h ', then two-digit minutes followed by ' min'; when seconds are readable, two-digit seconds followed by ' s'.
11 h 19 min
